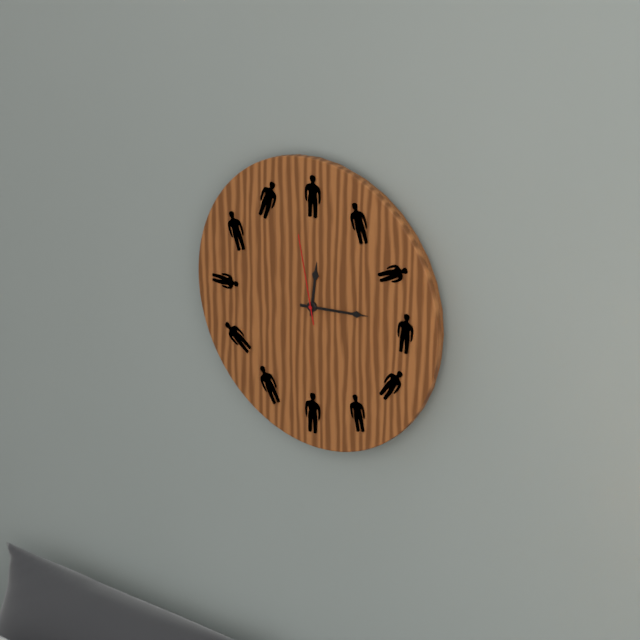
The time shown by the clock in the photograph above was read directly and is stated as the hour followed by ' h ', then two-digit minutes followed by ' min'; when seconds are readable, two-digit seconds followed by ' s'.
12 h 14 min 58 s
